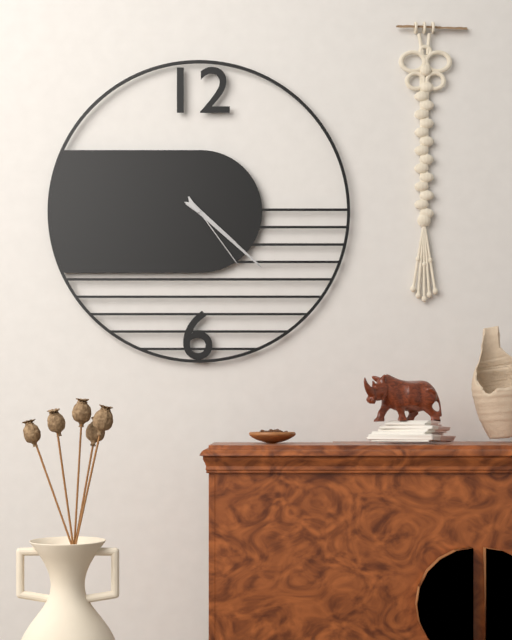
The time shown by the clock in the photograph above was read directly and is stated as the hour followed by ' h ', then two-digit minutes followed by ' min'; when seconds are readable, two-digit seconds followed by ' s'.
4 h 22 min 24 s
